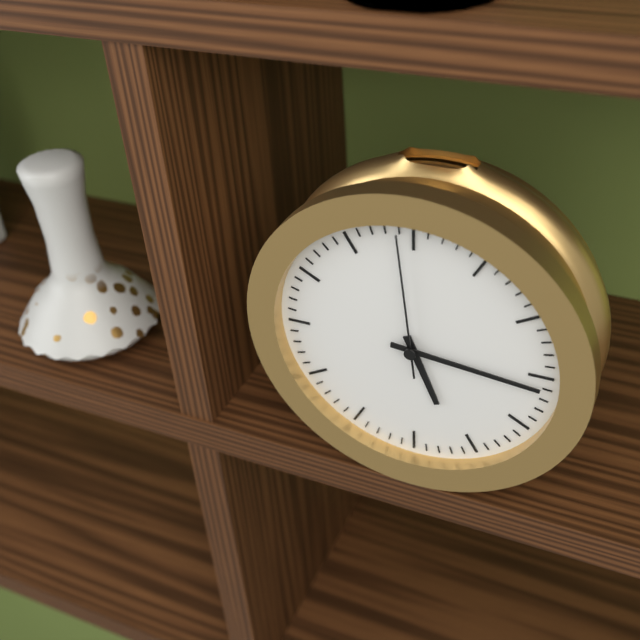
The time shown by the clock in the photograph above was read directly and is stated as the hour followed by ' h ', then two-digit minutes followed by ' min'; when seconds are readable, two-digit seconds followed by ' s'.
5 h 16 min 59 s
